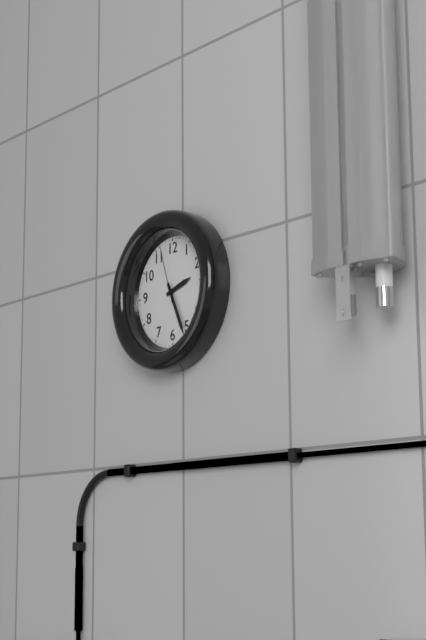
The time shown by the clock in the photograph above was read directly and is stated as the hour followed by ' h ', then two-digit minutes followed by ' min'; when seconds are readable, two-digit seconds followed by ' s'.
2 h 26 min 57 s
